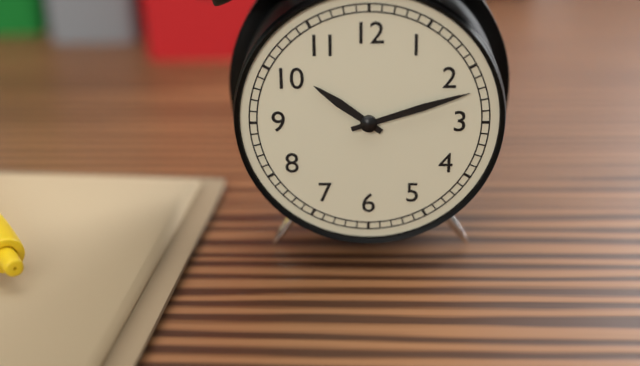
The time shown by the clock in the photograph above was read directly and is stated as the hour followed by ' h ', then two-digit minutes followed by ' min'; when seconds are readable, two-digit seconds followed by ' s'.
10 h 12 min
